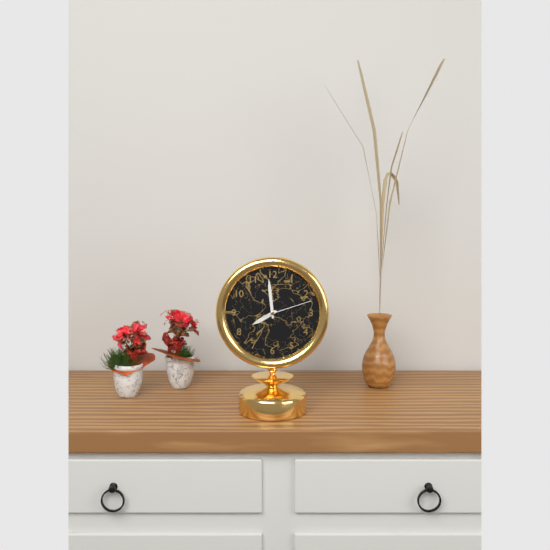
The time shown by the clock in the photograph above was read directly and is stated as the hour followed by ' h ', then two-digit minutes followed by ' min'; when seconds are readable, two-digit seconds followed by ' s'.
7 h 59 min 12 s
